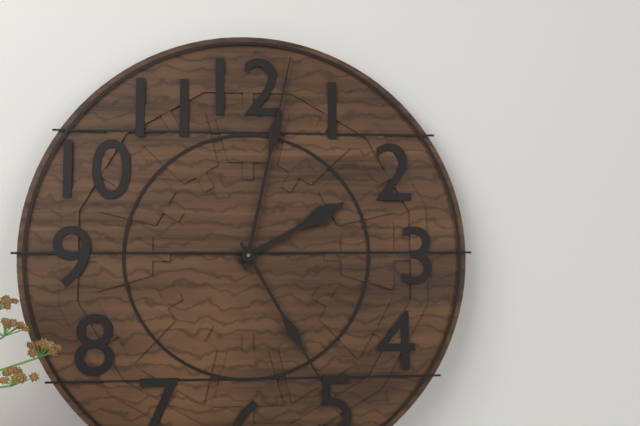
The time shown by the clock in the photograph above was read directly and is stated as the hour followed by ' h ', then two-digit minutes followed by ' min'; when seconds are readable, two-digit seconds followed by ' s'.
2 h 02 min 25 s
